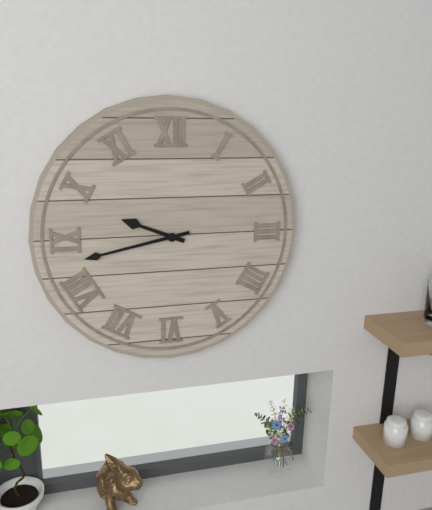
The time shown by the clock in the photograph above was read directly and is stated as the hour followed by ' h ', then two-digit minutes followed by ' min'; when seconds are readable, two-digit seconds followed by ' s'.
9 h 43 min
